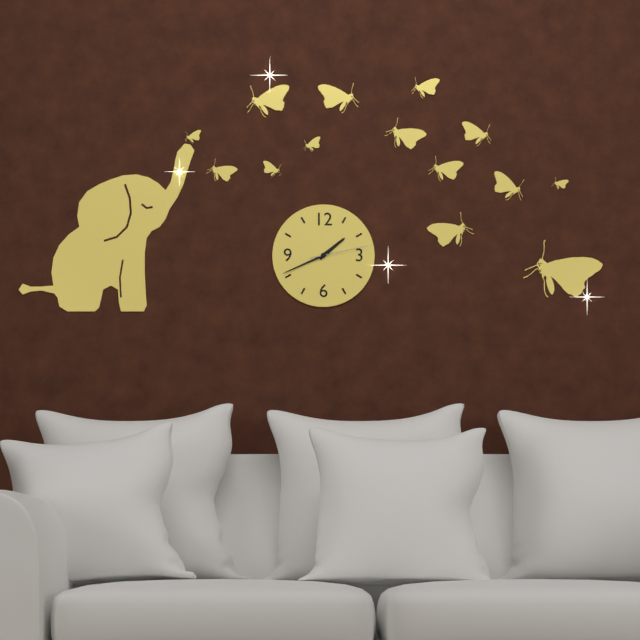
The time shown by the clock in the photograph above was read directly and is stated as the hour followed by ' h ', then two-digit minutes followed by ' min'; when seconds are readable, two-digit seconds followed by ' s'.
1 h 41 min 13 s
